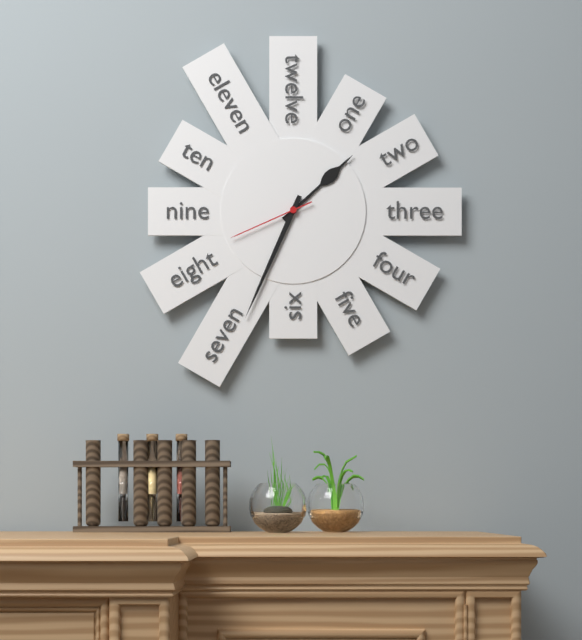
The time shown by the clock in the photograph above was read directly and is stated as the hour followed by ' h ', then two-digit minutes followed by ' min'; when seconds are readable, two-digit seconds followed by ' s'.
1 h 34 min 41 s
